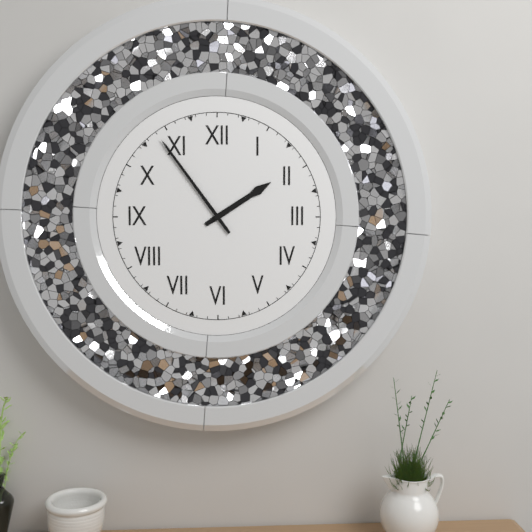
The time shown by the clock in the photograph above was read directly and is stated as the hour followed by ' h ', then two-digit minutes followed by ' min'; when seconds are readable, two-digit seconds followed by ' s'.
1 h 54 min
